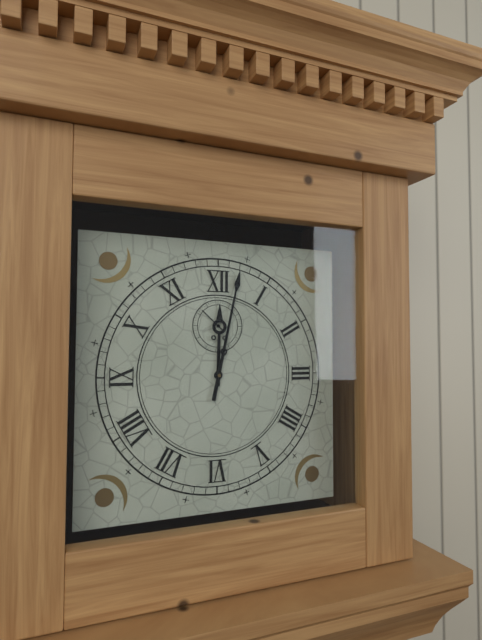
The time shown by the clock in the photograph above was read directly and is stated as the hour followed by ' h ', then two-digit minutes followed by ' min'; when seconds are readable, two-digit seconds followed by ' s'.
12 h 02 min
